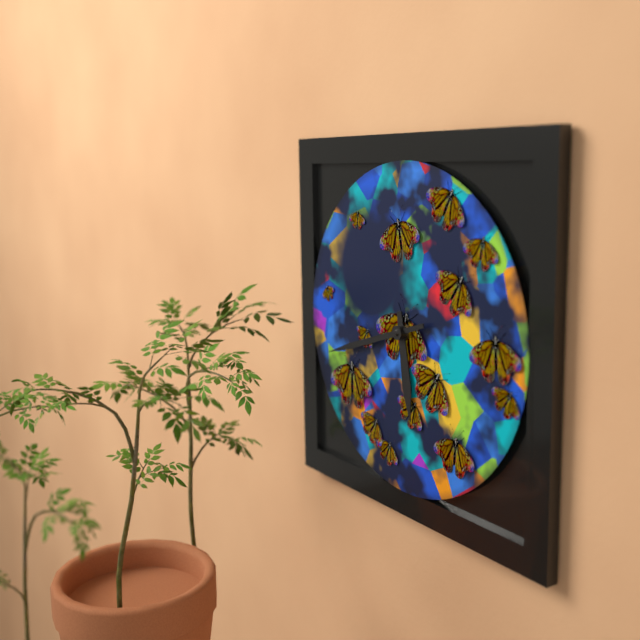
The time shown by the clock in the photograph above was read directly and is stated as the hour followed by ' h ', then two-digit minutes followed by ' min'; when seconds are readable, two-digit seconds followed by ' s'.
5 h 42 min
